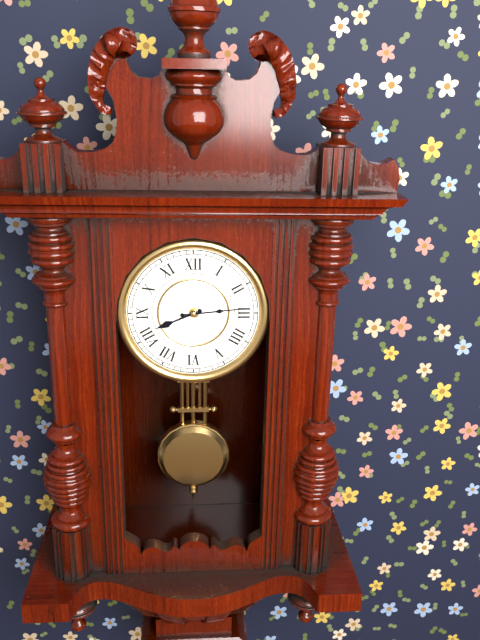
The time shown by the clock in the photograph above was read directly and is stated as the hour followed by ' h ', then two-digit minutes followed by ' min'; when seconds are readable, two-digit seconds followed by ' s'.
8 h 14 min
